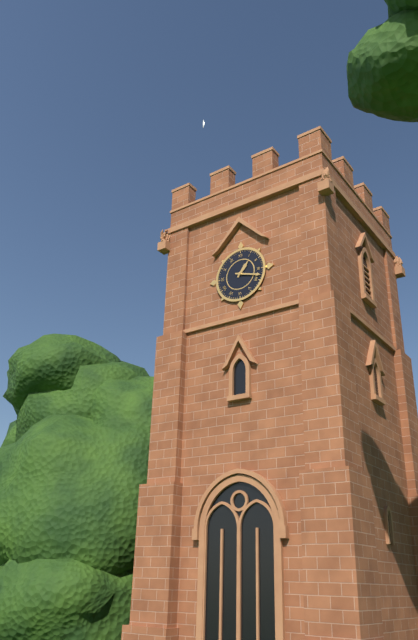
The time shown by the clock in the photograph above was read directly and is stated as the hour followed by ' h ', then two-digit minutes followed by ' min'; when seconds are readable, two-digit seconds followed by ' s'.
1 h 18 min
